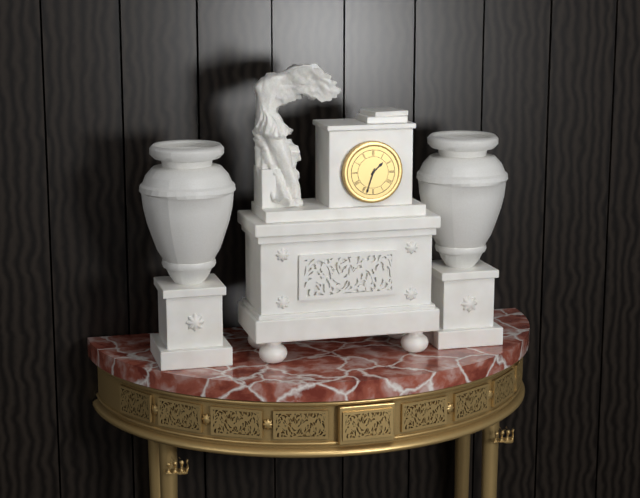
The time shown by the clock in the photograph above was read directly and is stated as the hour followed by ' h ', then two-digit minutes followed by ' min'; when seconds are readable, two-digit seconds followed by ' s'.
1 h 33 min
